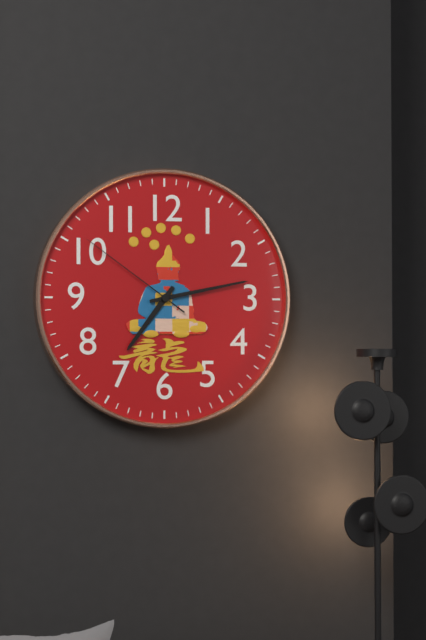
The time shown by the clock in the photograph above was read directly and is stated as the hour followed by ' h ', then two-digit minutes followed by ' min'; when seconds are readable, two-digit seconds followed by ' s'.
7 h 13 min 51 s
